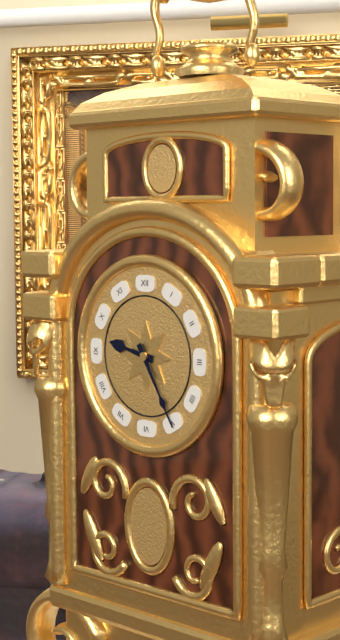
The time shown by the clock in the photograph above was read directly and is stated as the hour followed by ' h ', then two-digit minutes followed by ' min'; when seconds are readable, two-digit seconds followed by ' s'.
9 h 25 min
